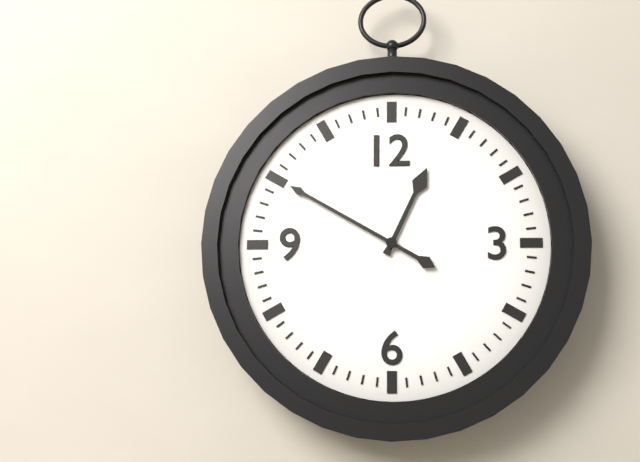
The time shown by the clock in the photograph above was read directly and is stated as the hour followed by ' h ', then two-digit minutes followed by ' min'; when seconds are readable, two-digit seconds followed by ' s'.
12 h 50 min
